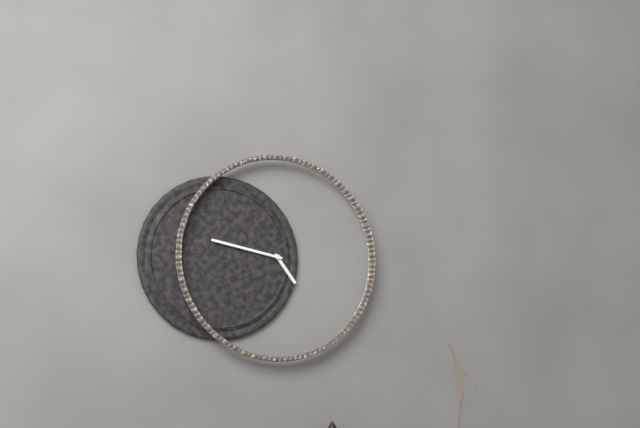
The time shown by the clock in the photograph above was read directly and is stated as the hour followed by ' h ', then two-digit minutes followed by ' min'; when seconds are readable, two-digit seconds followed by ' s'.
4 h 47 min
